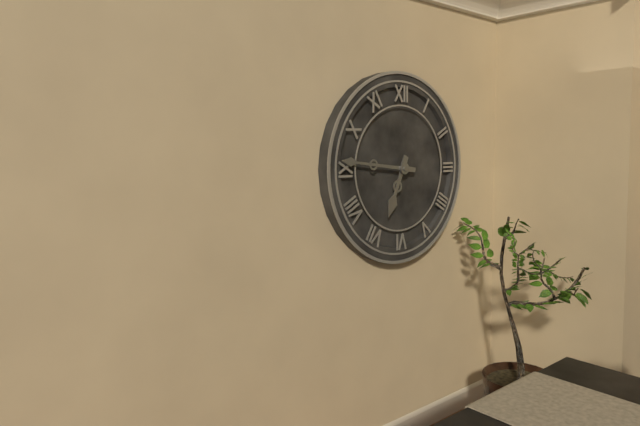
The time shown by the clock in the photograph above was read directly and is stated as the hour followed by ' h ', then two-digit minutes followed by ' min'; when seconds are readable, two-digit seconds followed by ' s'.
6 h 46 min
